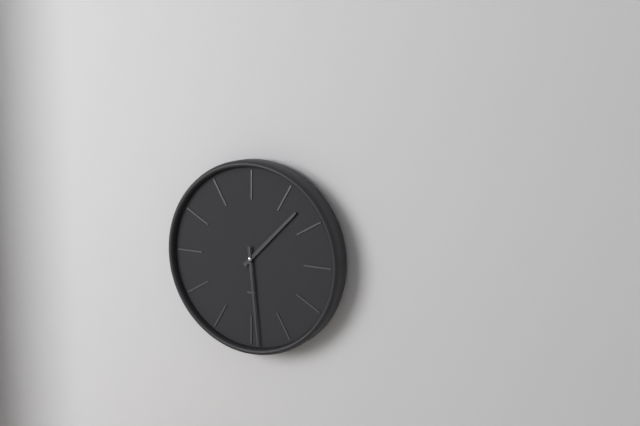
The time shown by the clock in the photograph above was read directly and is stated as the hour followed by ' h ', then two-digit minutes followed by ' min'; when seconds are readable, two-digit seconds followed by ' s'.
1 h 29 min
